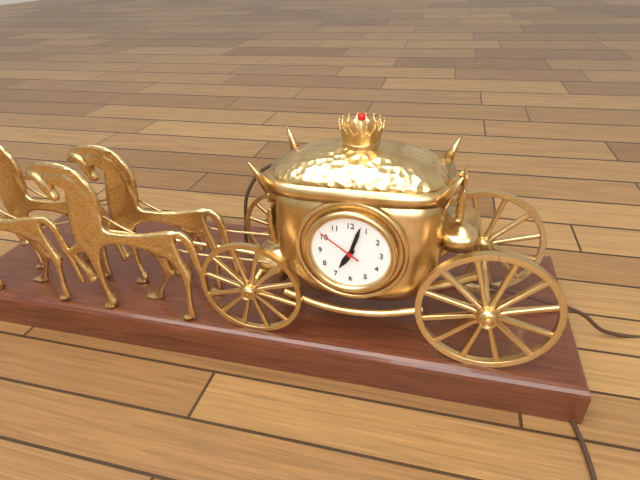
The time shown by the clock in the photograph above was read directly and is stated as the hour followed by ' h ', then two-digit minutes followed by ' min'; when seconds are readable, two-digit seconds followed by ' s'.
7 h 03 min
